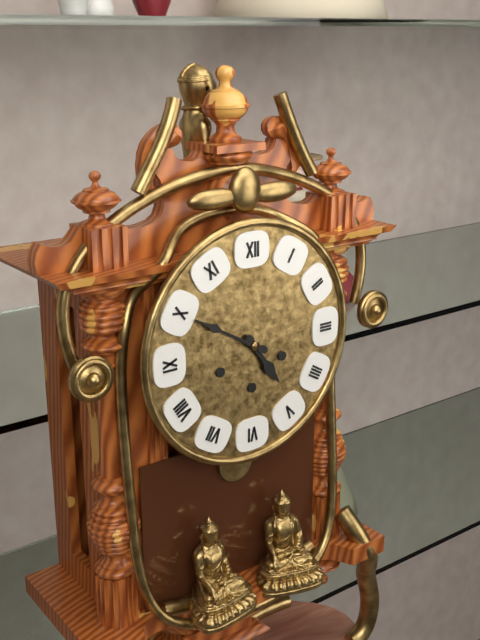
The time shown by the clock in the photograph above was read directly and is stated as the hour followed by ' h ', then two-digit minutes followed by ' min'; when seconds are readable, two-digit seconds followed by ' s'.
4 h 50 min
